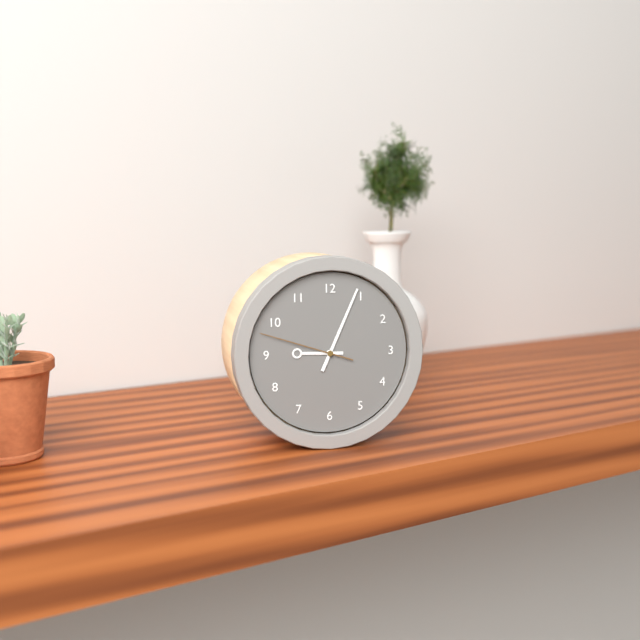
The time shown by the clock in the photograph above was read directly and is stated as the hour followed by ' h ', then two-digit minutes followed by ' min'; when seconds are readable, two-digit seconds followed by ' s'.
9 h 04 min 48 s
